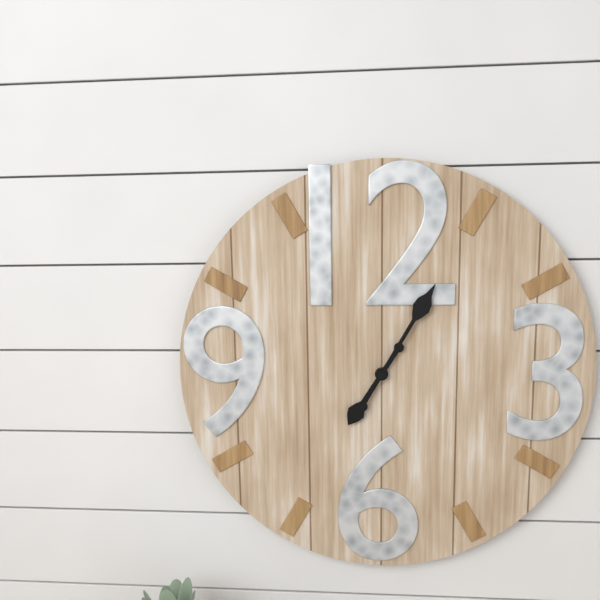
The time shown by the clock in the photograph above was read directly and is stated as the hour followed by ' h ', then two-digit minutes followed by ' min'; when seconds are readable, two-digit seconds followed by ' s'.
7 h 05 min
